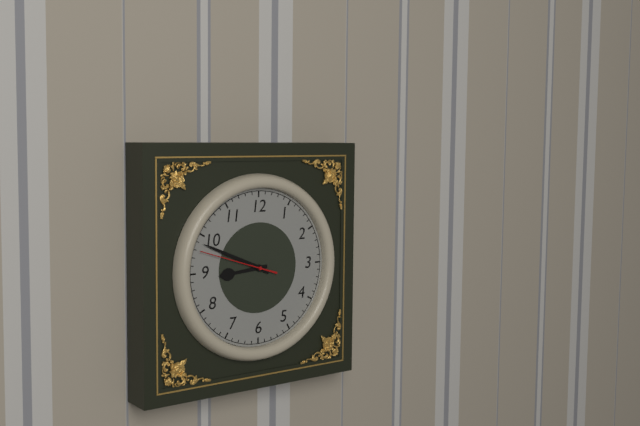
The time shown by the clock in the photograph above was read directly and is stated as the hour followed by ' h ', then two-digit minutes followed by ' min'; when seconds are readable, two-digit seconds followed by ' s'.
8 h 49 min 48 s
